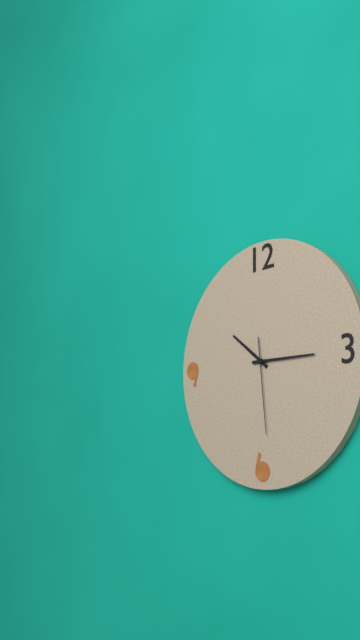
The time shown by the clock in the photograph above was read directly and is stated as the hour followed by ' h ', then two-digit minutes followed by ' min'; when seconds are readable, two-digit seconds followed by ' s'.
10 h 15 min 29 s
